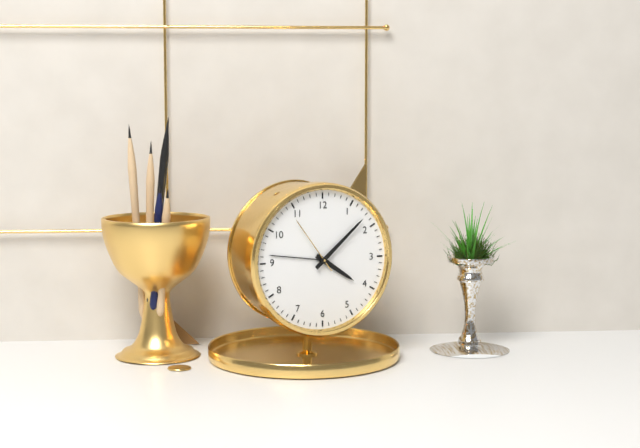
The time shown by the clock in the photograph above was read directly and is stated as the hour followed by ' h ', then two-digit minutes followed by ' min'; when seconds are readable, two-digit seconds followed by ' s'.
4 h 08 min 54 s
